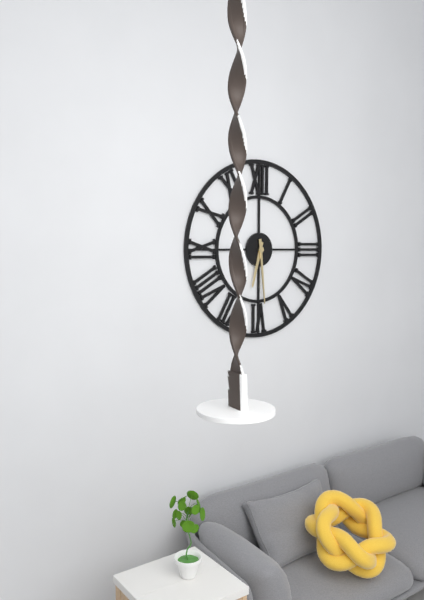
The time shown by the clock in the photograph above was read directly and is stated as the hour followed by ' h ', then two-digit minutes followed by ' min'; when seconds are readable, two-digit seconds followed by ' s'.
6 h 29 min
